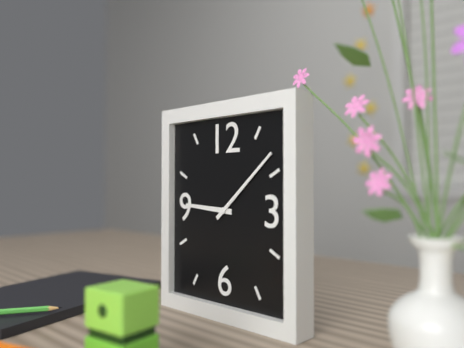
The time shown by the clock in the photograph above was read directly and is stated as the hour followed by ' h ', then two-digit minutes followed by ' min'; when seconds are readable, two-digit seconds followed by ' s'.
9 h 08 min
